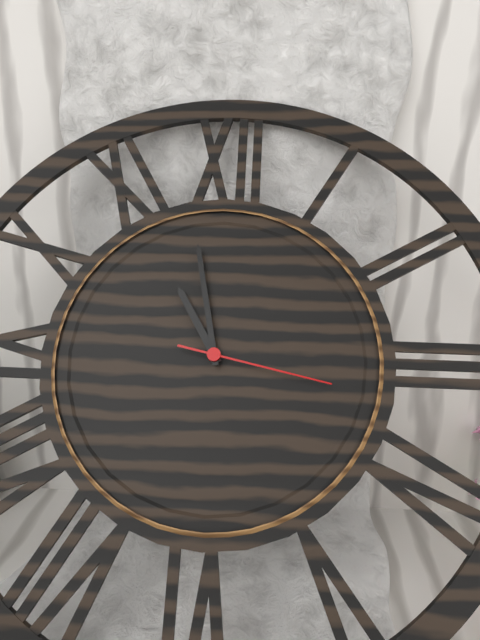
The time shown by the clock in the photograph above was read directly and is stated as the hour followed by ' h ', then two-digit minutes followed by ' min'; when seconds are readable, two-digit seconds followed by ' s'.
10 h 58 min 17 s
